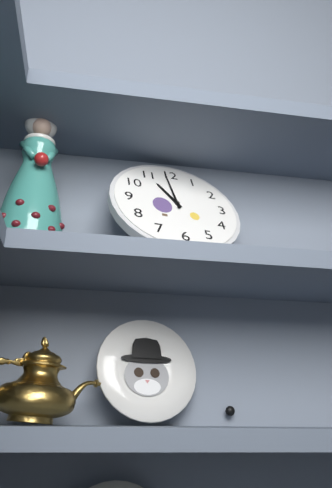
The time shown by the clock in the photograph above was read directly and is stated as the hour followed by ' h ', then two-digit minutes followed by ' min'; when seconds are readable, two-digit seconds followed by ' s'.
10 h 59 min
